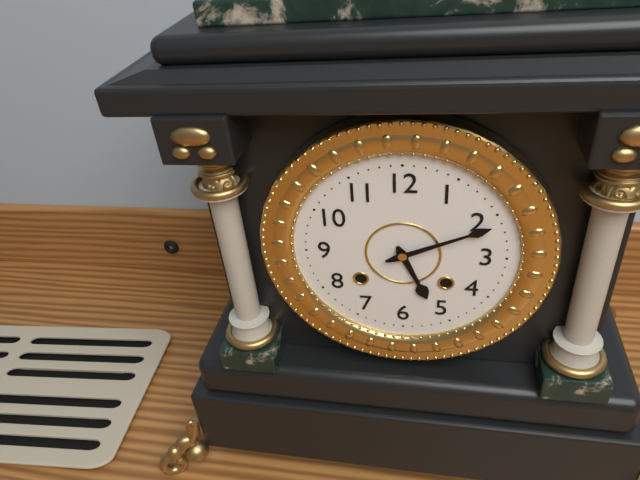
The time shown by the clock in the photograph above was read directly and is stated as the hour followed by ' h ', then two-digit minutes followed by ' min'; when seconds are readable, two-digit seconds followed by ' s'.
5 h 11 min
